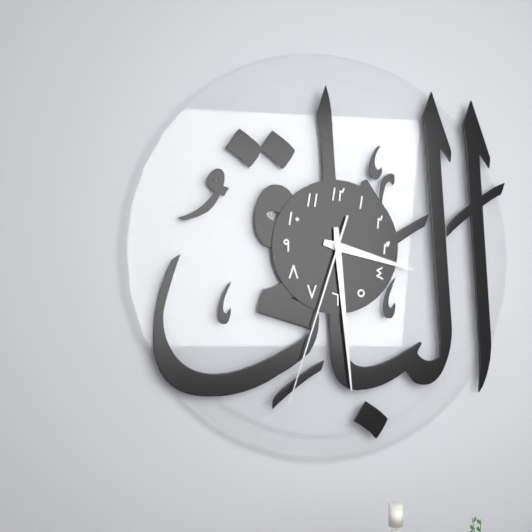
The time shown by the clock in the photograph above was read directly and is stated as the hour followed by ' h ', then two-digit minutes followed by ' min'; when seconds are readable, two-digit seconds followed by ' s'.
3 h 29 min 33 s
